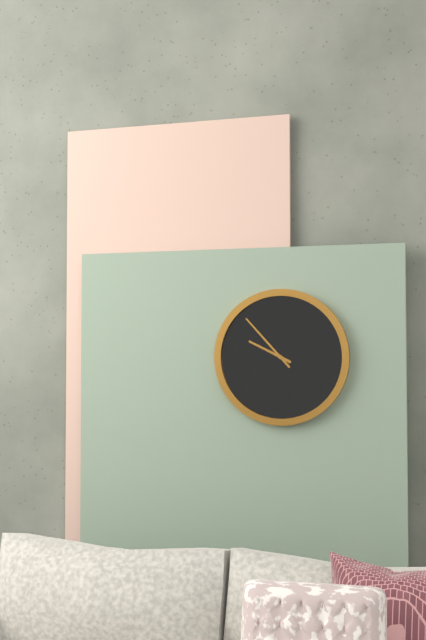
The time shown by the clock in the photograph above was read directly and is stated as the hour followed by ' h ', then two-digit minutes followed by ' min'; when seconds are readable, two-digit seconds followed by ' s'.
9 h 53 min
